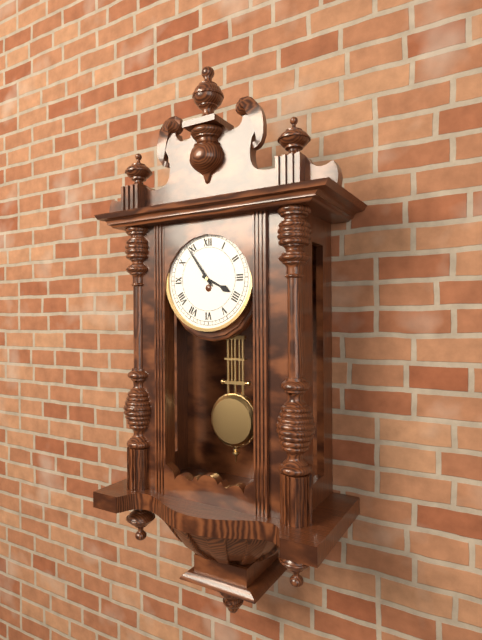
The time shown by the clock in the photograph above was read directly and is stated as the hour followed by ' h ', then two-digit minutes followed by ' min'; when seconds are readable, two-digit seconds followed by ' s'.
3 h 54 min
